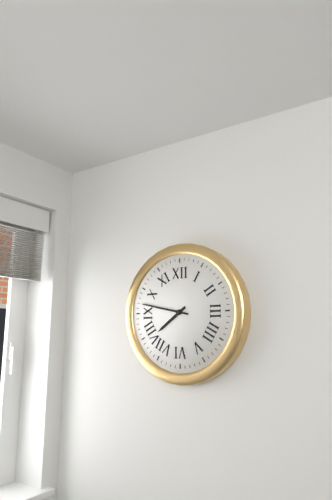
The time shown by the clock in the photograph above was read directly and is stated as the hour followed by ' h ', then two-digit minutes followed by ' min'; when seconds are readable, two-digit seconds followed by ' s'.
7 h 47 min
